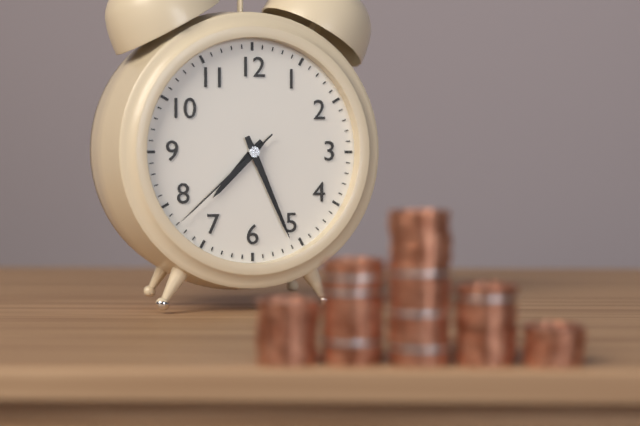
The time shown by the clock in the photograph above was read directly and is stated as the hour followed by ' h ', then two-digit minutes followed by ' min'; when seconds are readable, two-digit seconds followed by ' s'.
7 h 26 min 38 s
